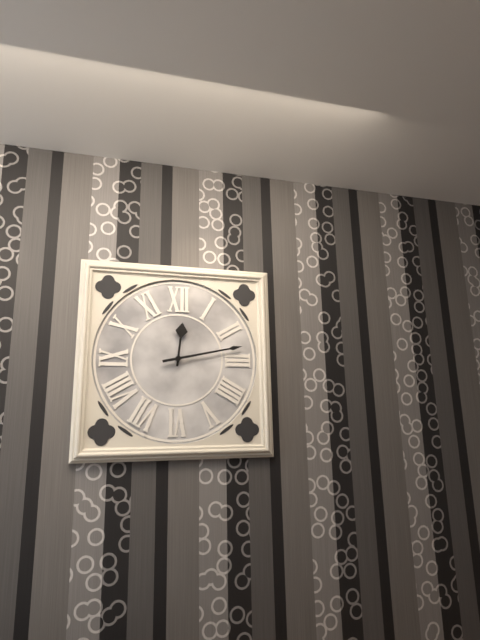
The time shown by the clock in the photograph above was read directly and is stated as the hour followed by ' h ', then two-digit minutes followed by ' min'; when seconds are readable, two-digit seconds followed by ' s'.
12 h 13 min
